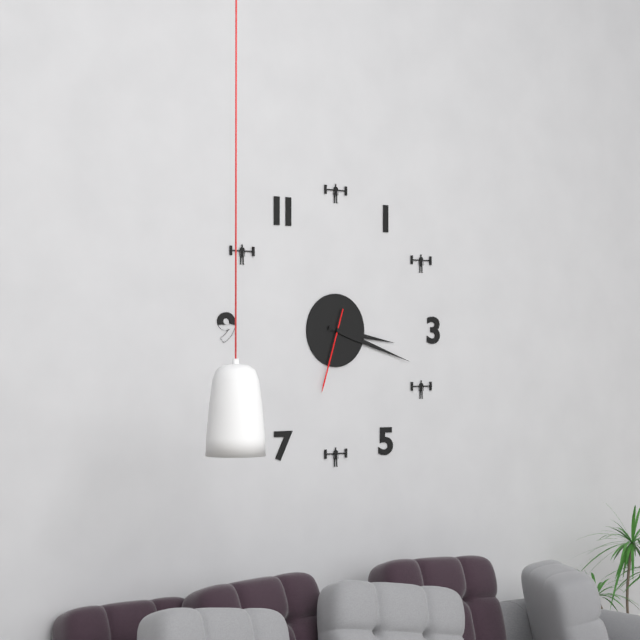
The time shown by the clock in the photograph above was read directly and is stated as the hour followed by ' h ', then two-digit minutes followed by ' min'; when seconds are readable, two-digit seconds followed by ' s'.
3 h 18 min 33 s
